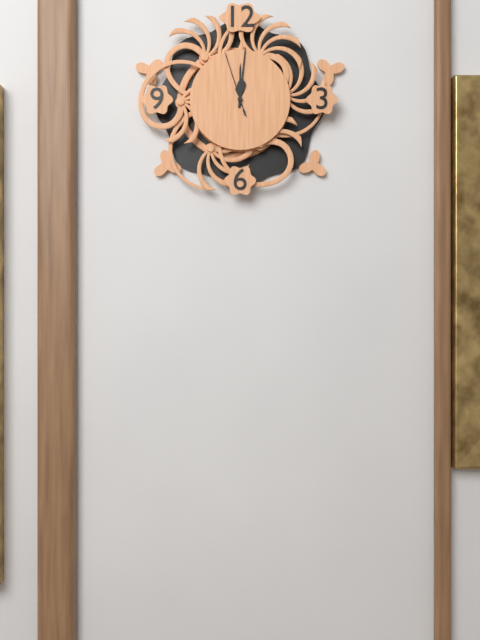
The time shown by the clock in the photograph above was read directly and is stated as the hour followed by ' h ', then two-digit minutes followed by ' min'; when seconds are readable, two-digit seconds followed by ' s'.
12 h 01 min 57 s
